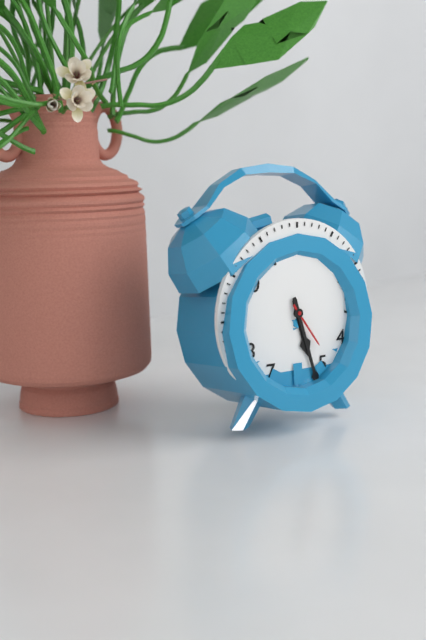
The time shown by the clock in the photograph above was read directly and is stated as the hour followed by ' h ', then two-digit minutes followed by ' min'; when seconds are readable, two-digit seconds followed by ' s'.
5 h 27 min 24 s
